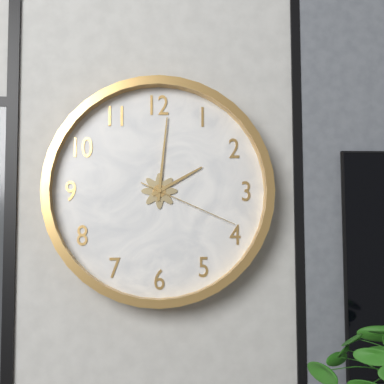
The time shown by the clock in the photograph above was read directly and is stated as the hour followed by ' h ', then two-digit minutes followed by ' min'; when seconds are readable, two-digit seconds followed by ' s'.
2 h 01 min 19 s
